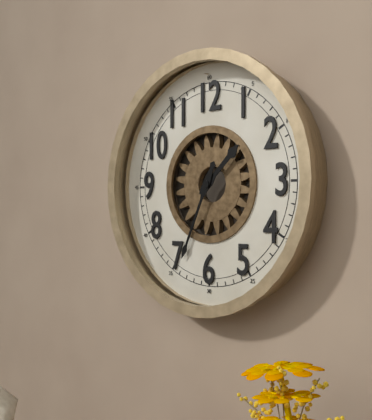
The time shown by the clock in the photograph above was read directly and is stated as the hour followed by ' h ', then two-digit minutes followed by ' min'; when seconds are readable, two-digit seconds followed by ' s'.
1 h 34 min
